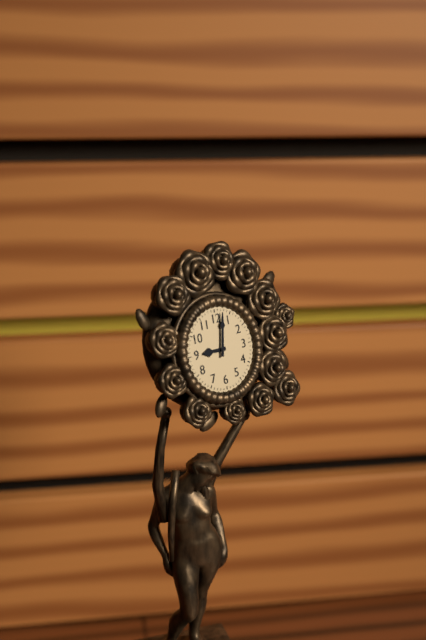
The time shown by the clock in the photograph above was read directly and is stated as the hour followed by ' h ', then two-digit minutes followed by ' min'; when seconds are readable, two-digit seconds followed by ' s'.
9 h 02 min
